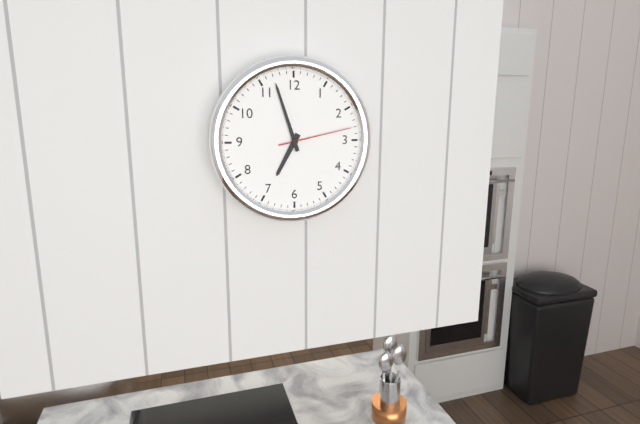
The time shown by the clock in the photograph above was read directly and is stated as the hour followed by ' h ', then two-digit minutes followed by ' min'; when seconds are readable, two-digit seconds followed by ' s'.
6 h 57 min 13 s
